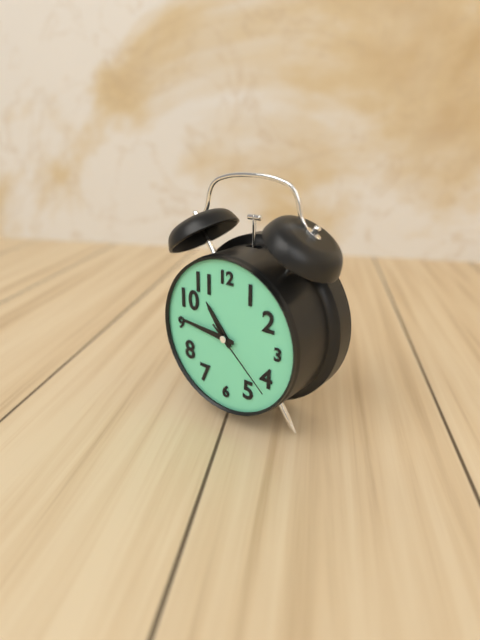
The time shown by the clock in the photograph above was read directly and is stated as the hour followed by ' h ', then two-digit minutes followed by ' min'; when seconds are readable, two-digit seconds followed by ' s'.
10 h 46 min 22 s
